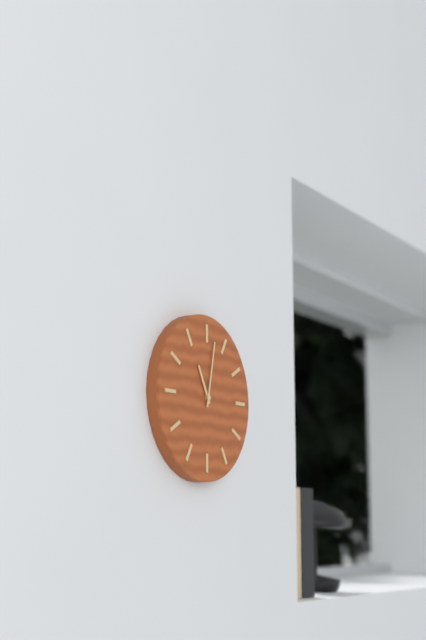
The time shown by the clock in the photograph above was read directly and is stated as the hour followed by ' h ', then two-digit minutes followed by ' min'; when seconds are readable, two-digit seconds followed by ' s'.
11 h 02 min
